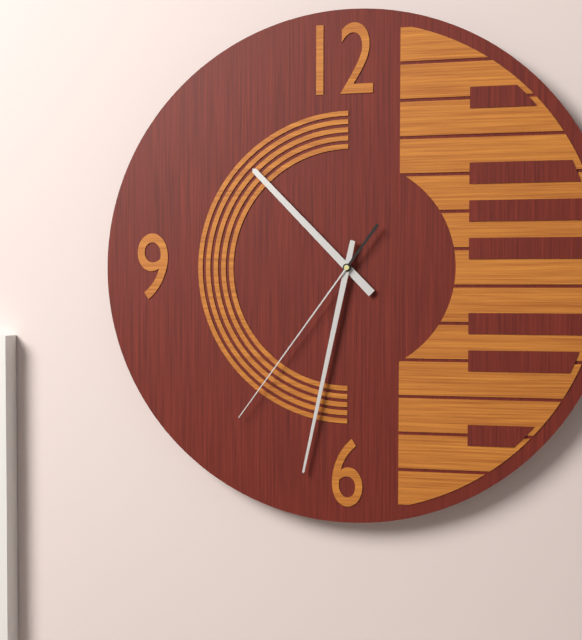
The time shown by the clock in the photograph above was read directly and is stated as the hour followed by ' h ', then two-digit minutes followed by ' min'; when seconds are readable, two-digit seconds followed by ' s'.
10 h 32 min 36 s
